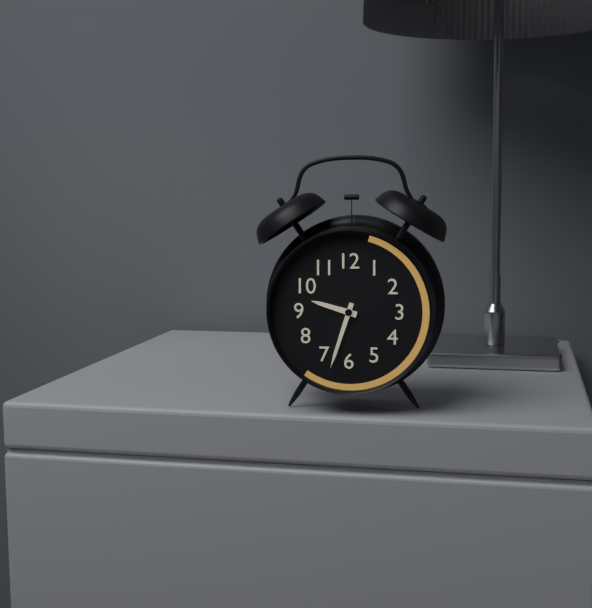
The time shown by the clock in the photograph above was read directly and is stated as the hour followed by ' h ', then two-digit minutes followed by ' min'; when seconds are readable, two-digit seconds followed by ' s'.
9 h 33 min
